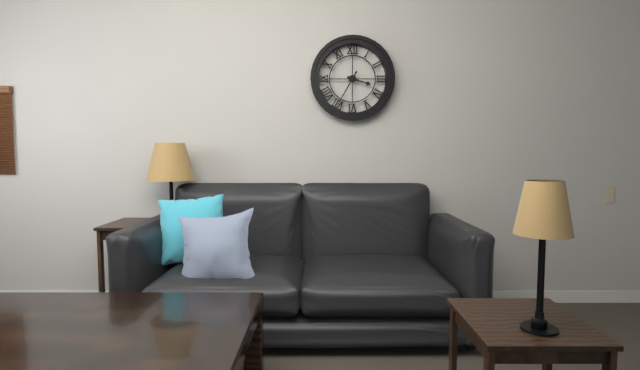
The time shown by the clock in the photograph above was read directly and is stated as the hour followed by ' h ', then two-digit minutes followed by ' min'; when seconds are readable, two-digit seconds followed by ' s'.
3 h 35 min
